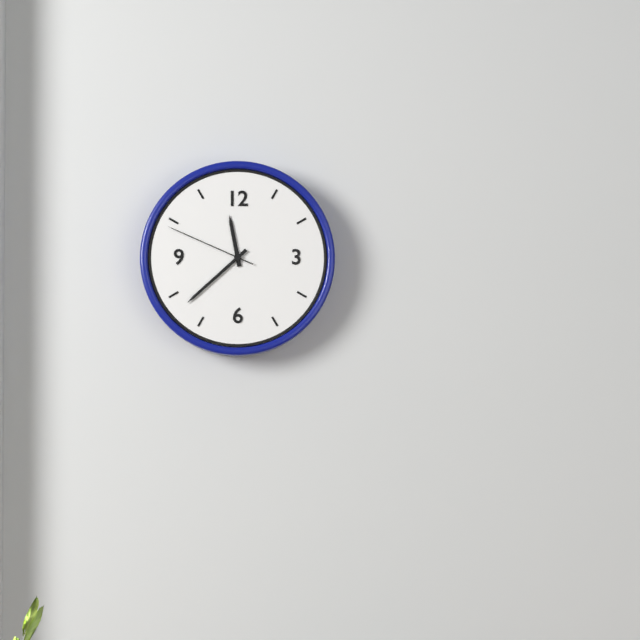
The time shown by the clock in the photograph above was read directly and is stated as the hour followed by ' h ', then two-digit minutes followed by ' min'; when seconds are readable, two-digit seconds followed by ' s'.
11 h 38 min 49 s
